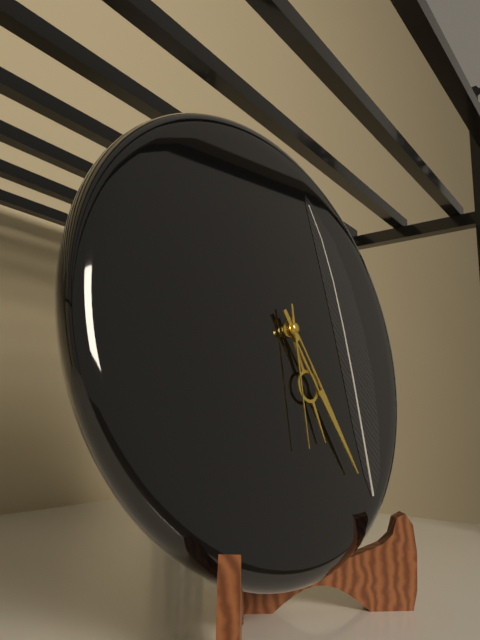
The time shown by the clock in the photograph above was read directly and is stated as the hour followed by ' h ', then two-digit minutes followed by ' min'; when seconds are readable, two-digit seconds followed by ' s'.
5 h 25 min 30 s
